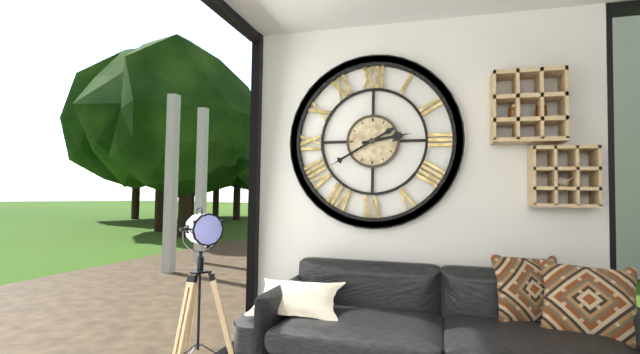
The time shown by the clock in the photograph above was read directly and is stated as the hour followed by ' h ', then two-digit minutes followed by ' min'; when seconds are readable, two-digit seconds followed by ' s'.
2 h 40 min
